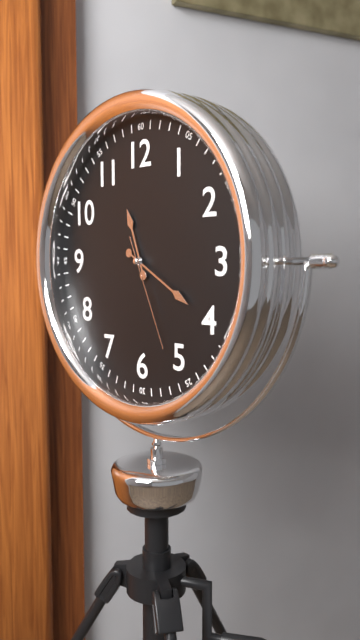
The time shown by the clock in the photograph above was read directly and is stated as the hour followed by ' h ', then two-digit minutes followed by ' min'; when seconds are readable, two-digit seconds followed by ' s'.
11 h 20 min 26 s
